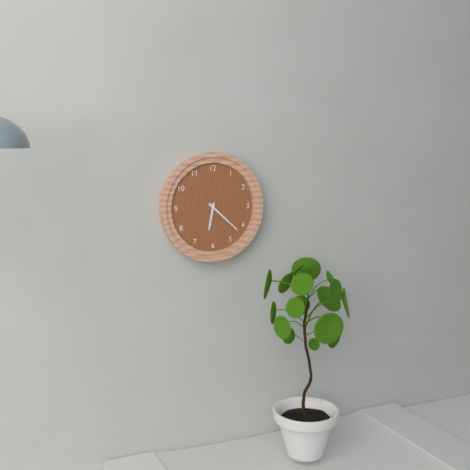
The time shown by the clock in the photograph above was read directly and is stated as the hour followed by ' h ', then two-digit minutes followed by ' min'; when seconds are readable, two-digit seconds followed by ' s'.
6 h 22 min
